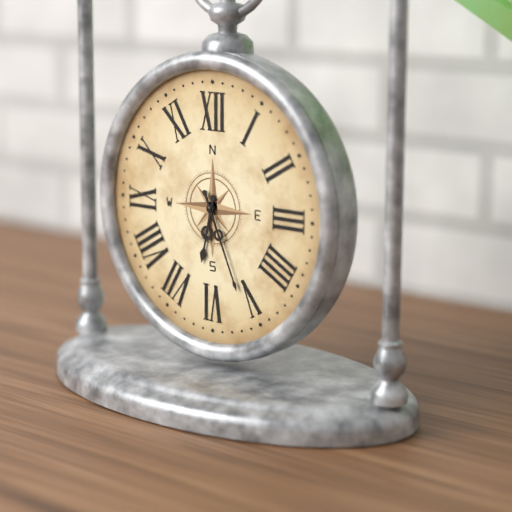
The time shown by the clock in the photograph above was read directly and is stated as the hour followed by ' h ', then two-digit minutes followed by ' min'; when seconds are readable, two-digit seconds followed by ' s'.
6 h 26 min
